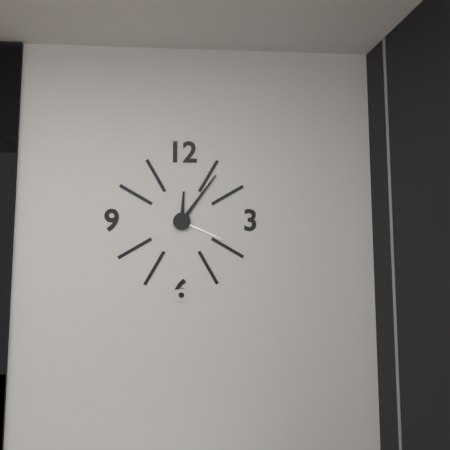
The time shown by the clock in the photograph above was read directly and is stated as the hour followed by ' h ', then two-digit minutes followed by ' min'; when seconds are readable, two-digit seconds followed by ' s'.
12 h 06 min 19 s
